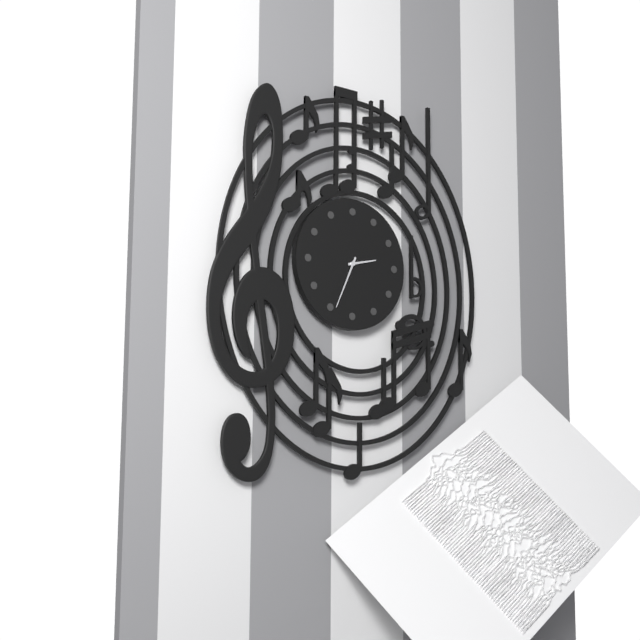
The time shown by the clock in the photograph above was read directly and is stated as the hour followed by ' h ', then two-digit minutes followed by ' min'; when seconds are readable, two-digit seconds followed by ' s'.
2 h 34 min
